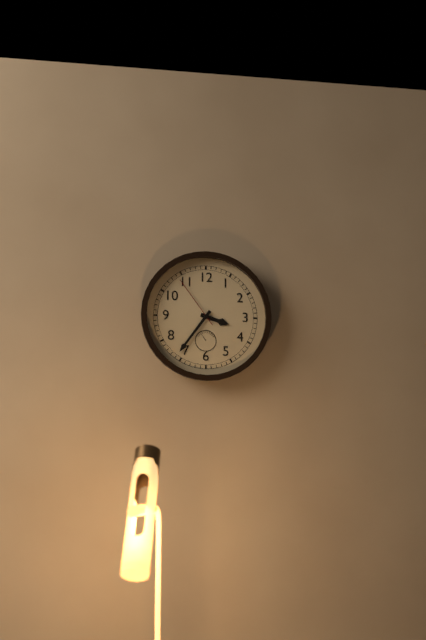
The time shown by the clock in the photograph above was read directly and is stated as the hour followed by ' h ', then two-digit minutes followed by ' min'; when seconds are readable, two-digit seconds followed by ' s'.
3 h 36 min 54 s
